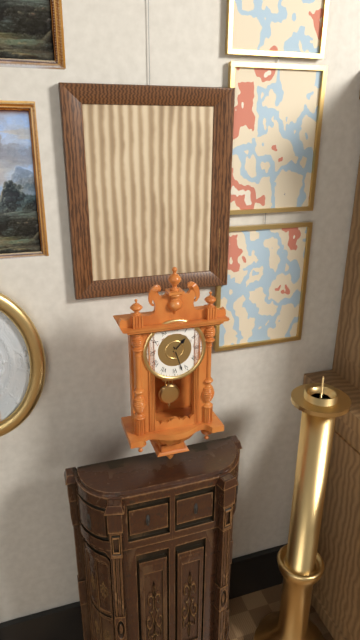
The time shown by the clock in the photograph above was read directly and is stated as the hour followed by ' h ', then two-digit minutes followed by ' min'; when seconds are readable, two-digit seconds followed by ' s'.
1 h 27 min
